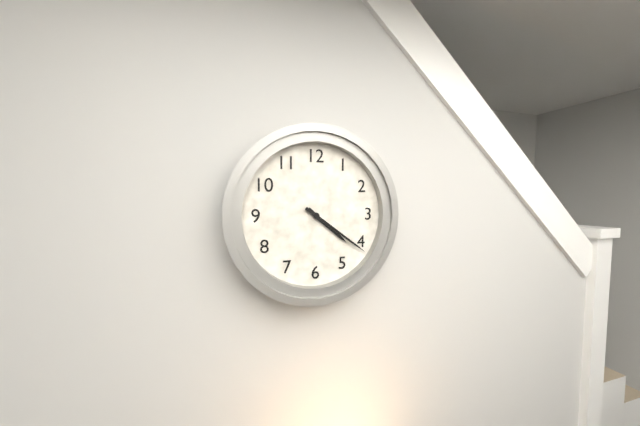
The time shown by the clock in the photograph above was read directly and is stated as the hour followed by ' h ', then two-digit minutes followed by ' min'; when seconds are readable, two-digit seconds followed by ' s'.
4 h 21 min
